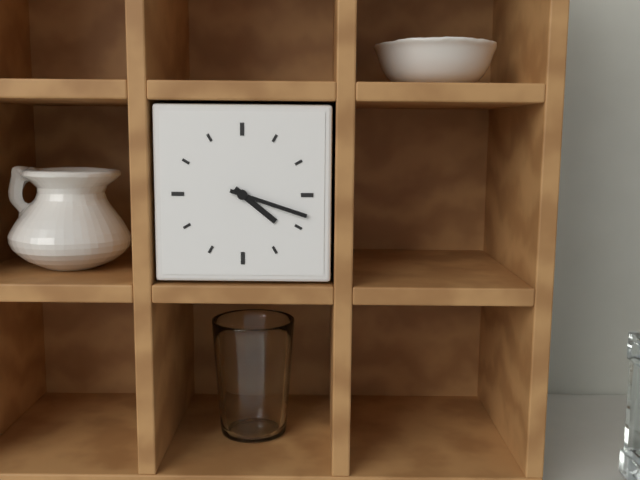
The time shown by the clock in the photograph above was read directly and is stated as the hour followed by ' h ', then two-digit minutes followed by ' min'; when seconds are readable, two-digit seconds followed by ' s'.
4 h 18 min
